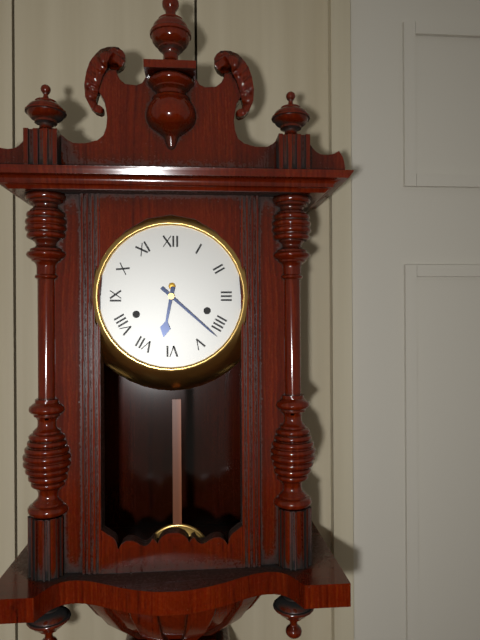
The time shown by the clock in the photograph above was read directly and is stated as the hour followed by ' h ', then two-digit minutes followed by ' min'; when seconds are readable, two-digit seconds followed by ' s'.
6 h 22 min
